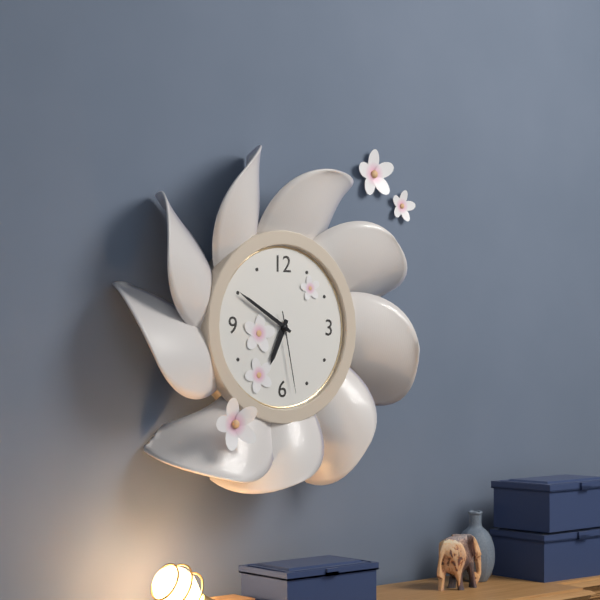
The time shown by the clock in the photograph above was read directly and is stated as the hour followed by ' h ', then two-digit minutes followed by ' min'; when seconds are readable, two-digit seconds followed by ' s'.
6 h 50 min 28 s
